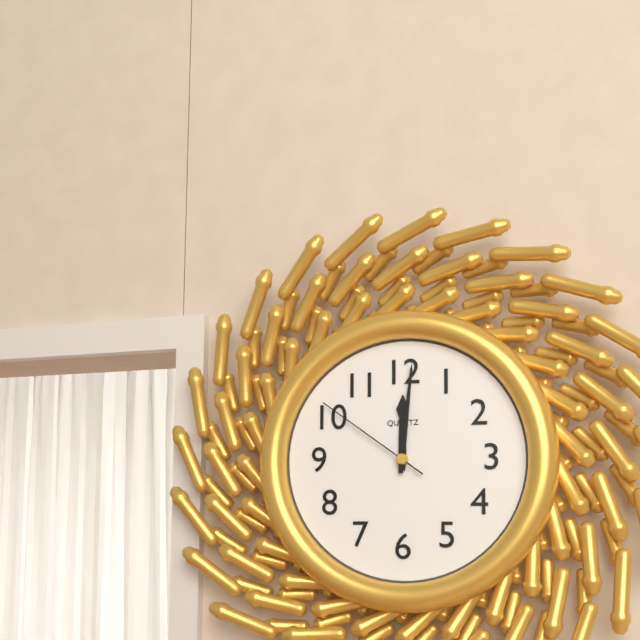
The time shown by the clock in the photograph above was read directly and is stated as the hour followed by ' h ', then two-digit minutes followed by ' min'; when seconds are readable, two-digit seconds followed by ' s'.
12 h 01 min 51 s
